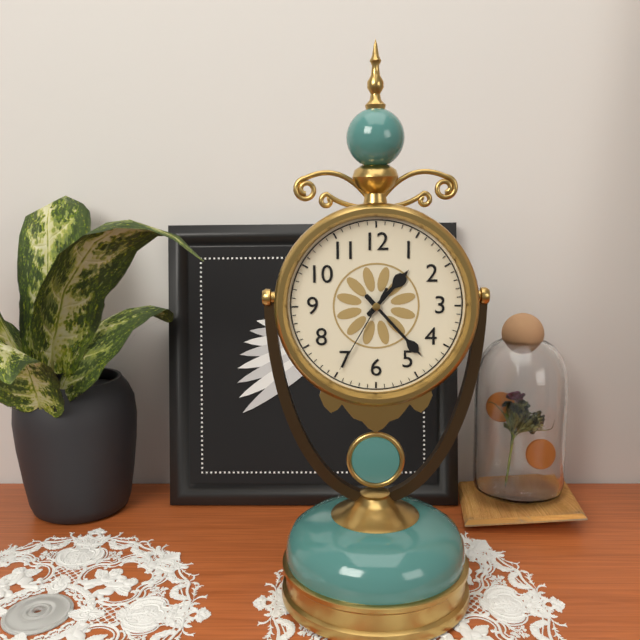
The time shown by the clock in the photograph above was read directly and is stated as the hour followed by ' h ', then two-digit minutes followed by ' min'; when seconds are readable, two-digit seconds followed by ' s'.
1 h 23 min 35 s
